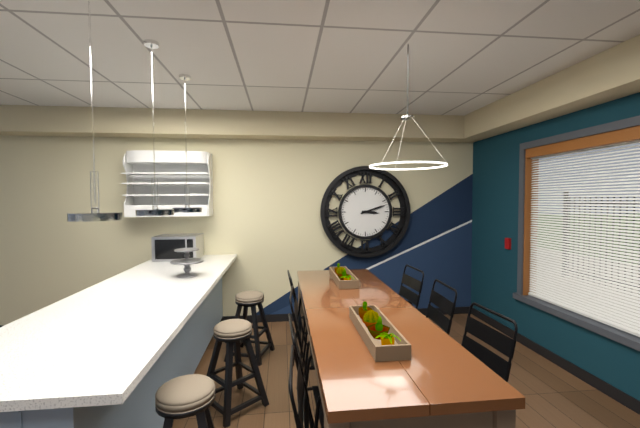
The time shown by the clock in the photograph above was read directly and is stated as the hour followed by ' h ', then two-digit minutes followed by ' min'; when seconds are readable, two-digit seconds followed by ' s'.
3 h 12 min
